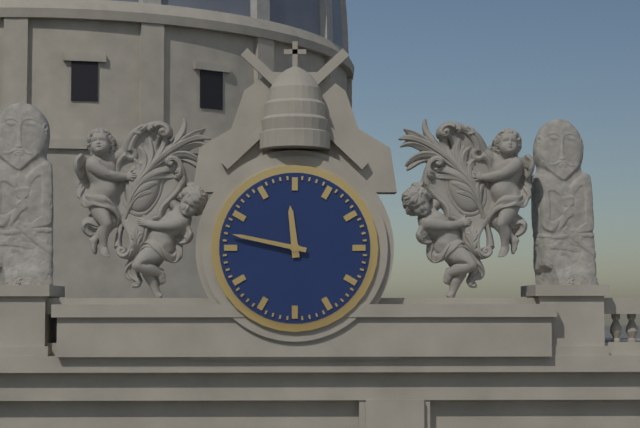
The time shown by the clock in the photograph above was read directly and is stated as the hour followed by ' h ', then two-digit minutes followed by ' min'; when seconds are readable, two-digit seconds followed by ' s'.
11 h 47 min
